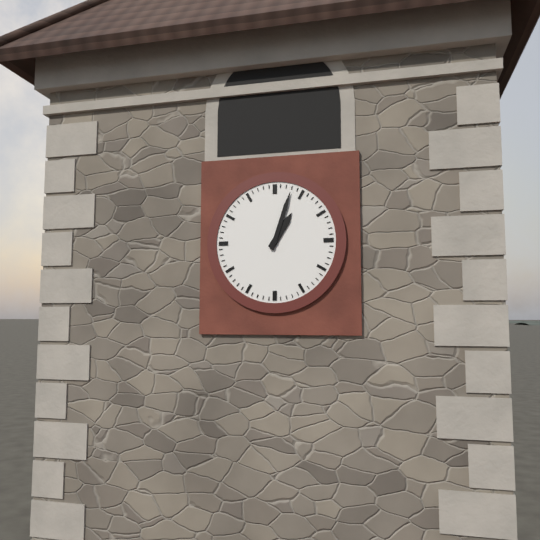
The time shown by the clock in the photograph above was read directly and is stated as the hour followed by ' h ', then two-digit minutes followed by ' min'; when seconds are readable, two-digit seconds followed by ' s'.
1 h 03 min
